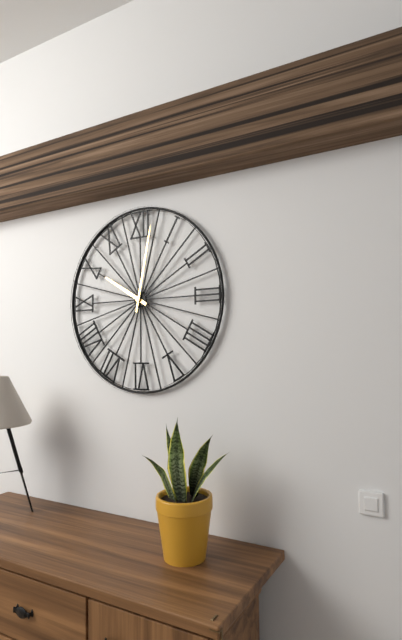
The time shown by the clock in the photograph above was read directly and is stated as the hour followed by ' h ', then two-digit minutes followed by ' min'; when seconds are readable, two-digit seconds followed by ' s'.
10 h 02 min
